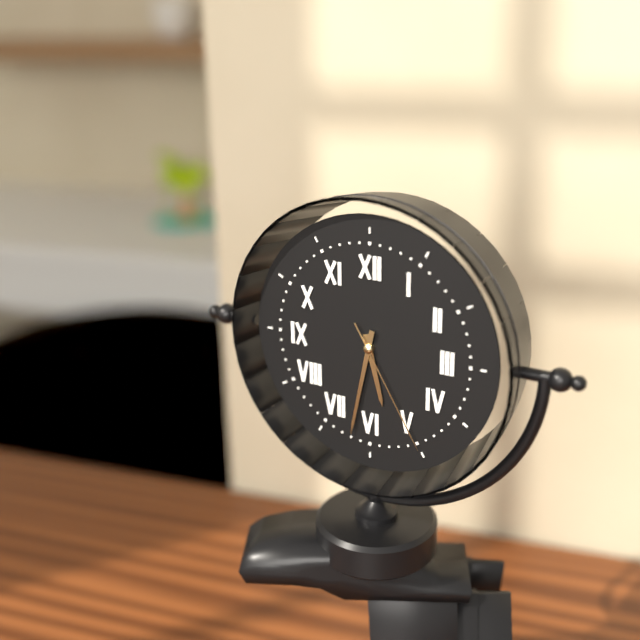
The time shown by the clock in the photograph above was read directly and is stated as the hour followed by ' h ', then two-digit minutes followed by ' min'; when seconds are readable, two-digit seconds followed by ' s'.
5 h 32 min 25 s
